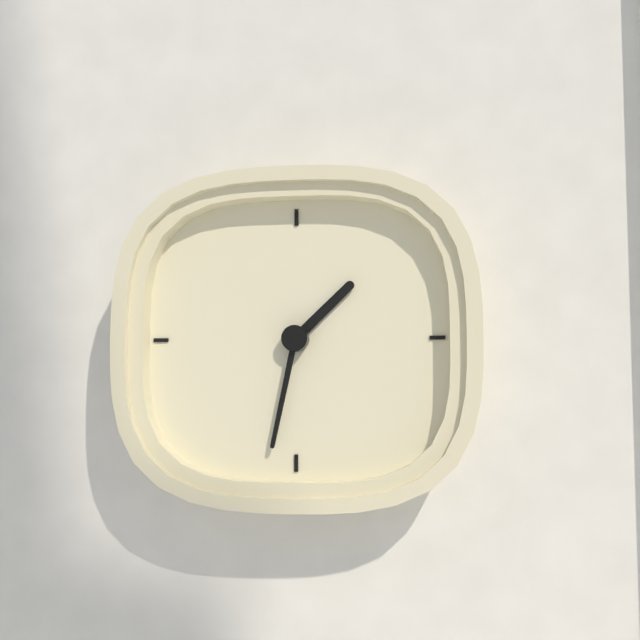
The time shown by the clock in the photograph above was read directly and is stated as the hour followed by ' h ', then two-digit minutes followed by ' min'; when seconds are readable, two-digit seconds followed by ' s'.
1 h 32 min
